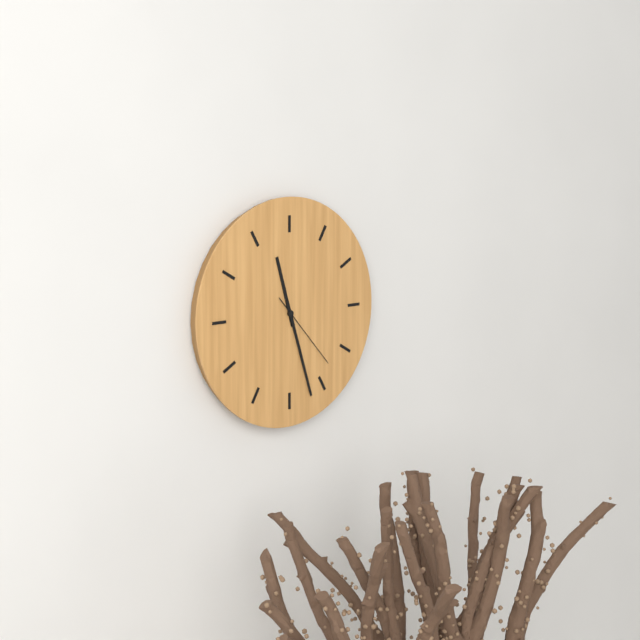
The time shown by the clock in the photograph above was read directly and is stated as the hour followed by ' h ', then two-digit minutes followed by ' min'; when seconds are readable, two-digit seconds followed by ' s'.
11 h 27 min 23 s
